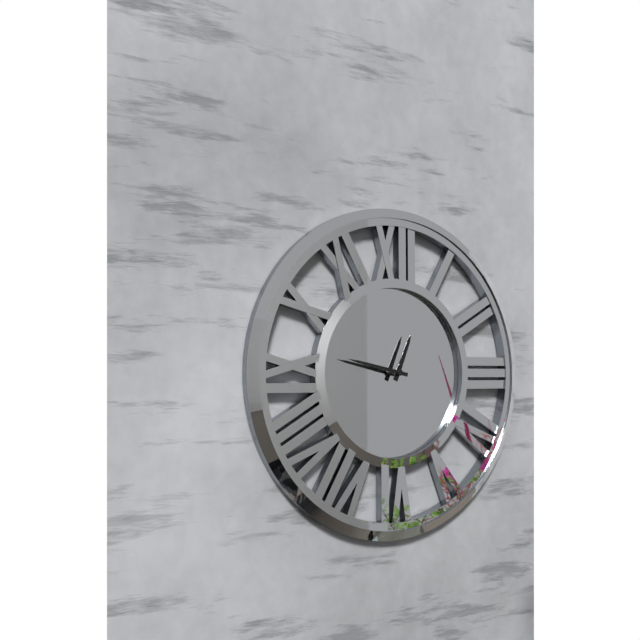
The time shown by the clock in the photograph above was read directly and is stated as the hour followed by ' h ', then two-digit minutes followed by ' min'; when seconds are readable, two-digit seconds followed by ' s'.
12 h 47 min
